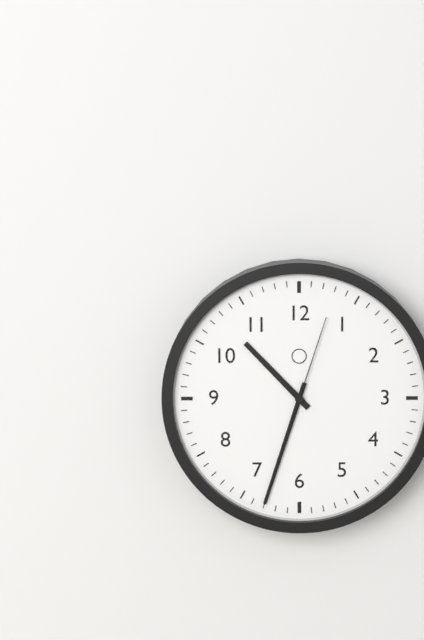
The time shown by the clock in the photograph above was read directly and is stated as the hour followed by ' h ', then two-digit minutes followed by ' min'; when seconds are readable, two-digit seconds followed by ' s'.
10 h 33 min 03 s
